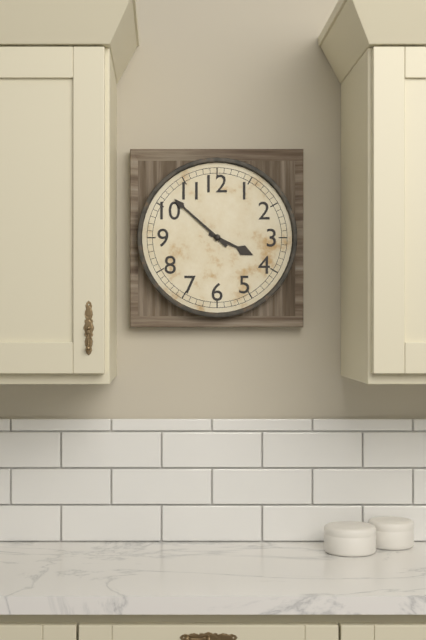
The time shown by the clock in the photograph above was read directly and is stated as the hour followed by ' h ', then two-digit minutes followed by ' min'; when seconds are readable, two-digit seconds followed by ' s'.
3 h 52 min
